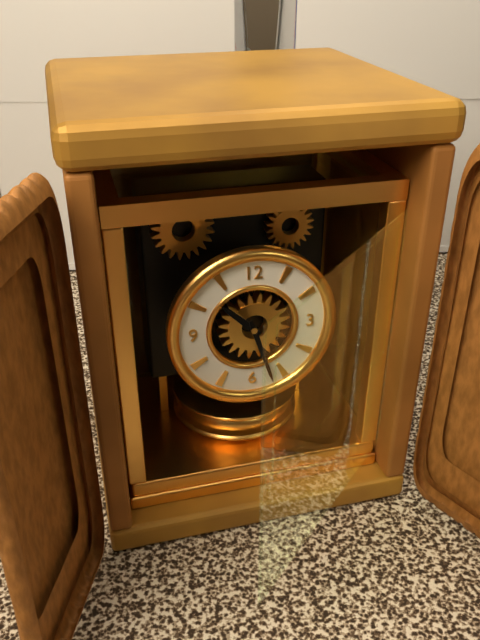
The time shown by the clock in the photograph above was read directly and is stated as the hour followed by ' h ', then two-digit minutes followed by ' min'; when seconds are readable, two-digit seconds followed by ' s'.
10 h 27 min
